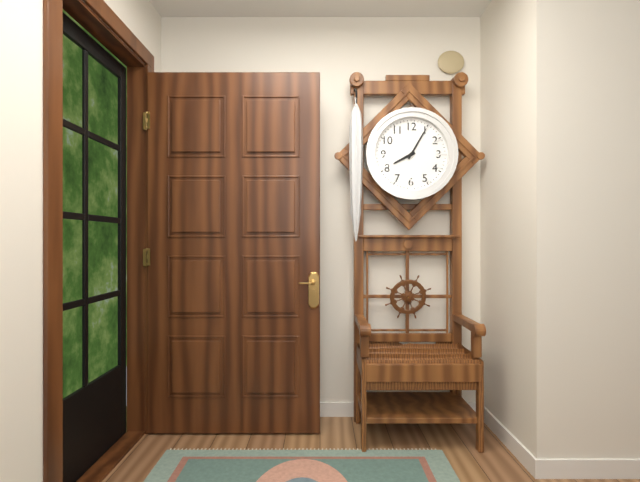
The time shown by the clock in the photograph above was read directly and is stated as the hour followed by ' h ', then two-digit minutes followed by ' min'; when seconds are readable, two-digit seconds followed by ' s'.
8 h 05 min
